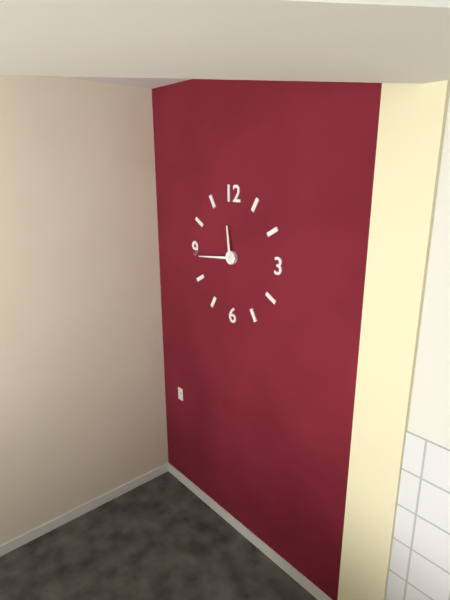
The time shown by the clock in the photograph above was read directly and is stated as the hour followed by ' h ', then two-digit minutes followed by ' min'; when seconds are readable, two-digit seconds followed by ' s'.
11 h 44 min
